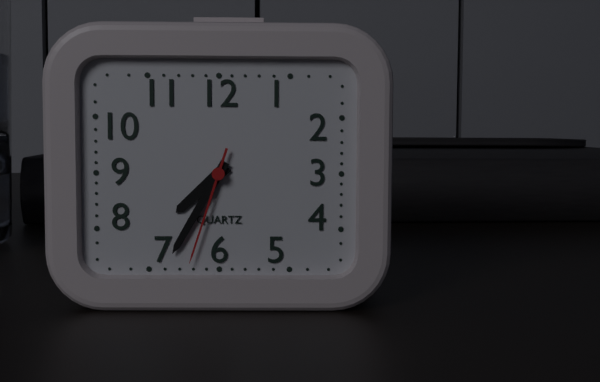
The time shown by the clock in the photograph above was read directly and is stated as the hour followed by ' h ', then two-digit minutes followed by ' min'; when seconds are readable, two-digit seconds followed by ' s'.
7 h 35 min 33 s
